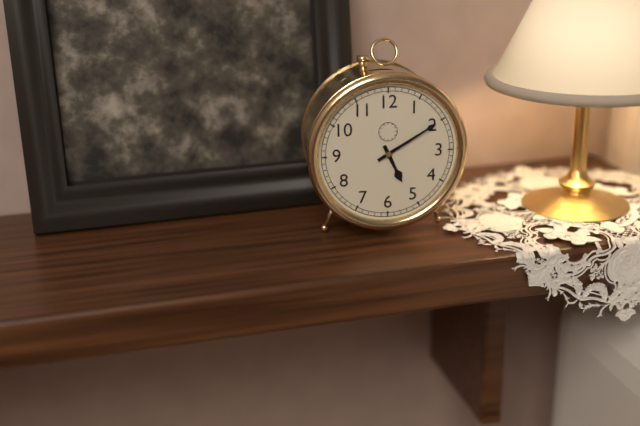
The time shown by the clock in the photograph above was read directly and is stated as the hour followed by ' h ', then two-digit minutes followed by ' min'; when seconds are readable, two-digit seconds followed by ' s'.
5 h 10 min
